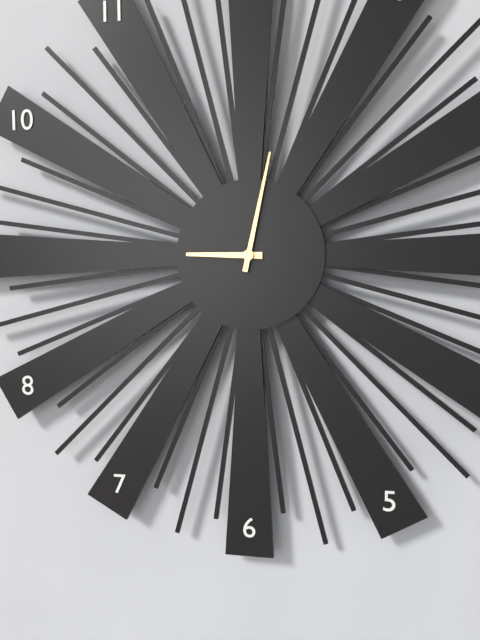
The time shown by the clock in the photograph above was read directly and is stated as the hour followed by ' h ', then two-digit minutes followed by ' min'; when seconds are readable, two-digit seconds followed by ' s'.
9 h 02 min
